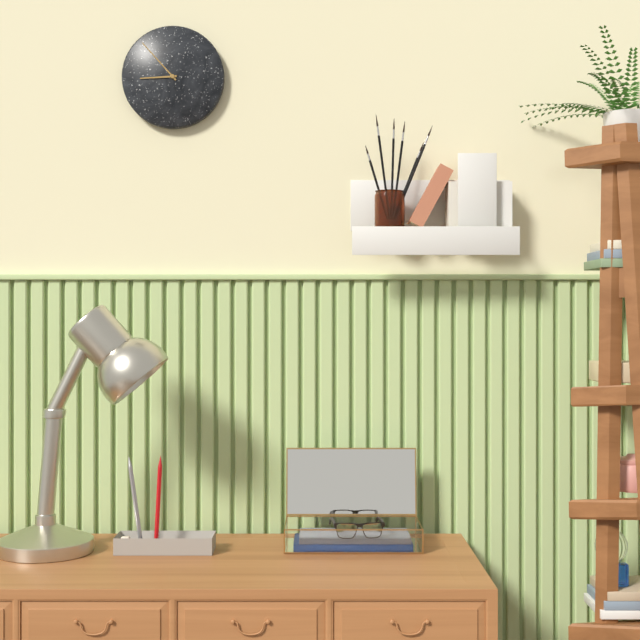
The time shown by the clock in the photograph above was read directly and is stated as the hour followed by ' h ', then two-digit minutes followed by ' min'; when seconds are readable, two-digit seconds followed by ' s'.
8 h 53 min
